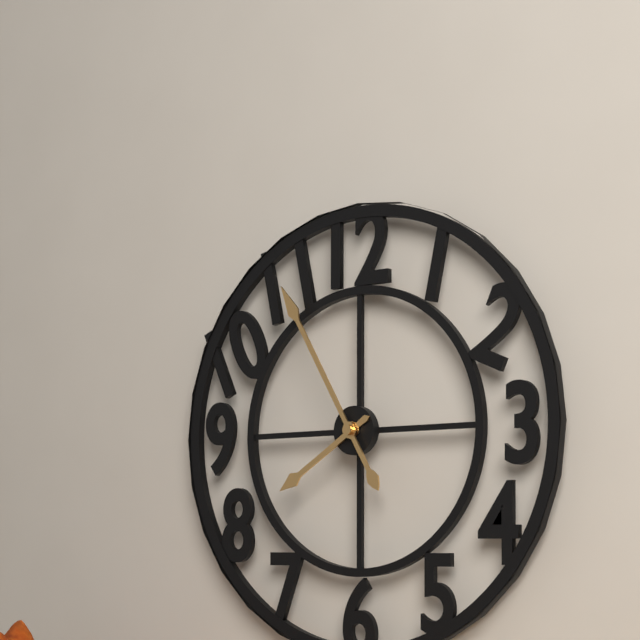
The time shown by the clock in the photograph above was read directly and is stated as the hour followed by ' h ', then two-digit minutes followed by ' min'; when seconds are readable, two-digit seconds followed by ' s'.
7 h 55 min
